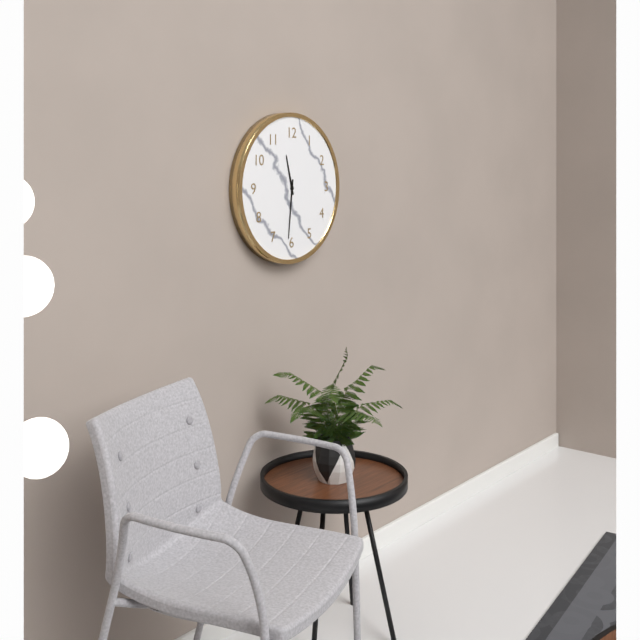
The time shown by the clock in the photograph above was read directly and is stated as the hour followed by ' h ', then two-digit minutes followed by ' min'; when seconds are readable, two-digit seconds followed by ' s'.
11 h 31 min
